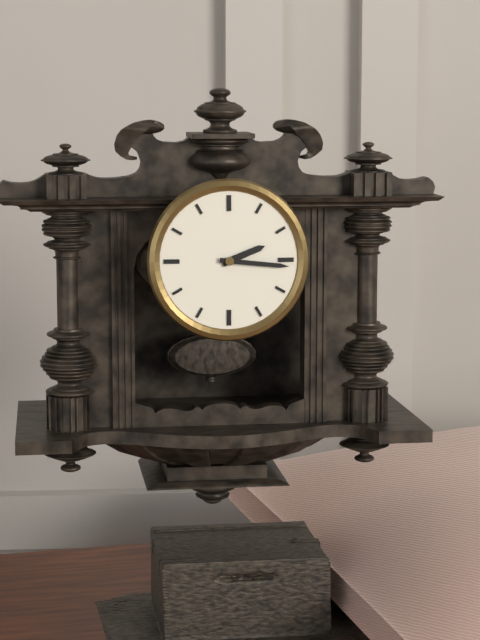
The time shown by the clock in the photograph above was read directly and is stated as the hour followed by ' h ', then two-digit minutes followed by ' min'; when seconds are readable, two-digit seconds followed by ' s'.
2 h 16 min
